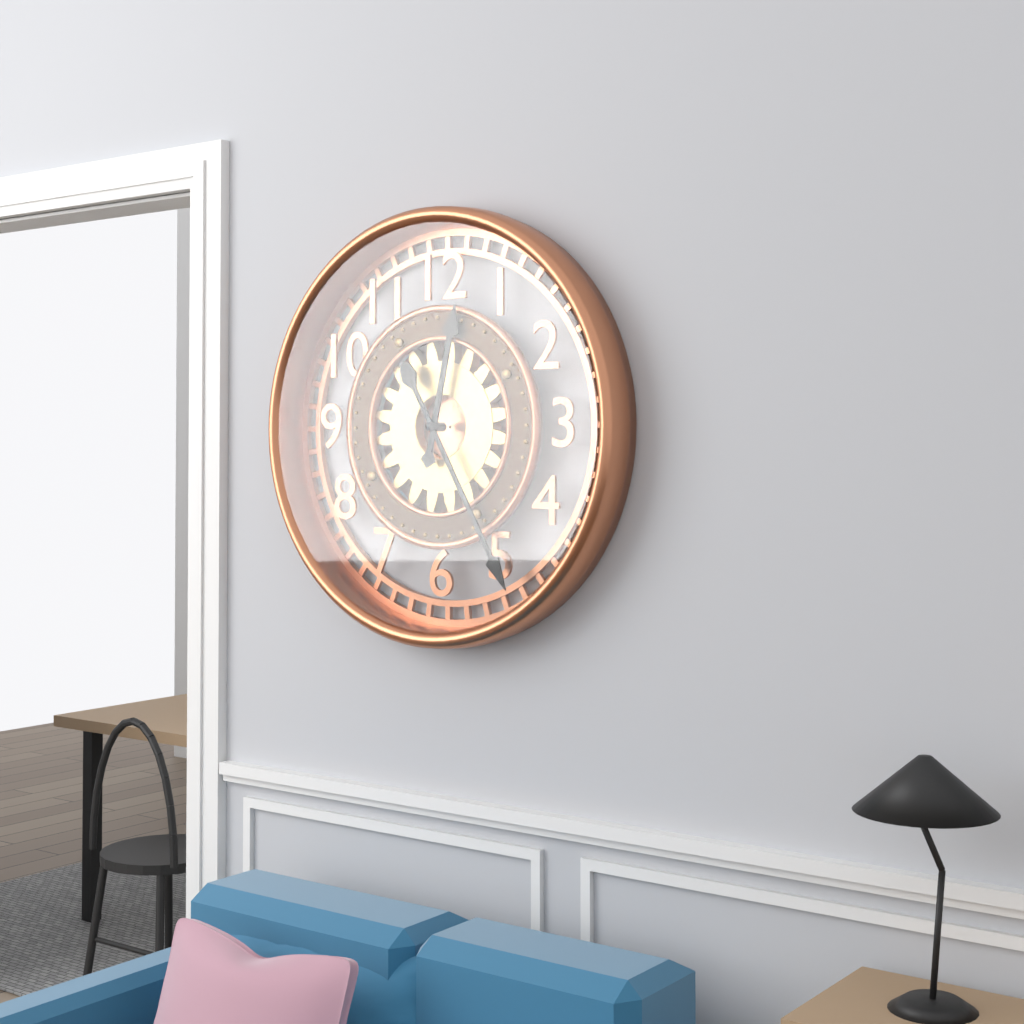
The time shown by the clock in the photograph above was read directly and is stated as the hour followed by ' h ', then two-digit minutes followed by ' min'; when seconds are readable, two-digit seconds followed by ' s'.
12 h 25 min
